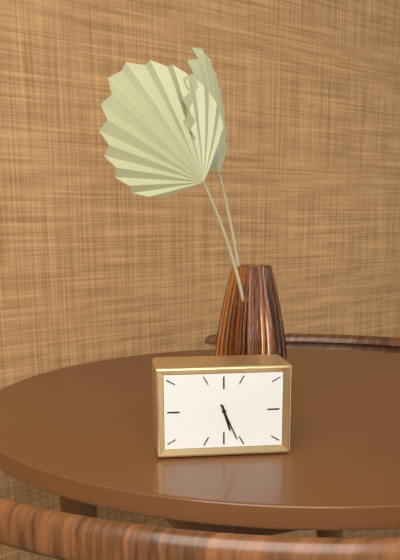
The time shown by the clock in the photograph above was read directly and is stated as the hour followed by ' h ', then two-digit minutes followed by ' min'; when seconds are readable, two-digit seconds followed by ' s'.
5 h 26 min
